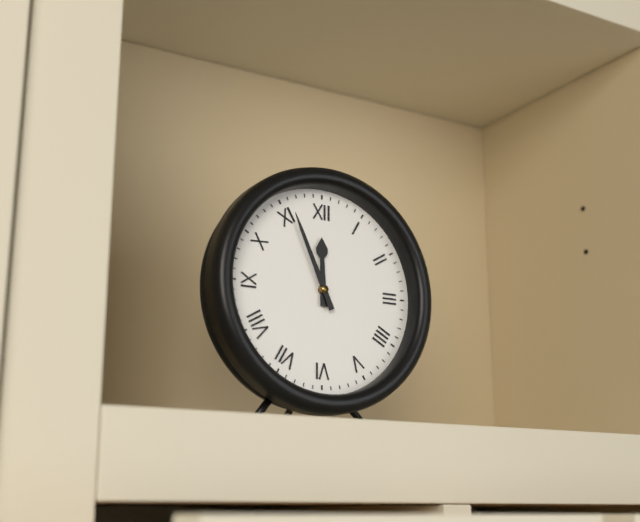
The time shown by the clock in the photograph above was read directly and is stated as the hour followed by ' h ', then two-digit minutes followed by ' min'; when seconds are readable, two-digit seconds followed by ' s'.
11 h 56 min
